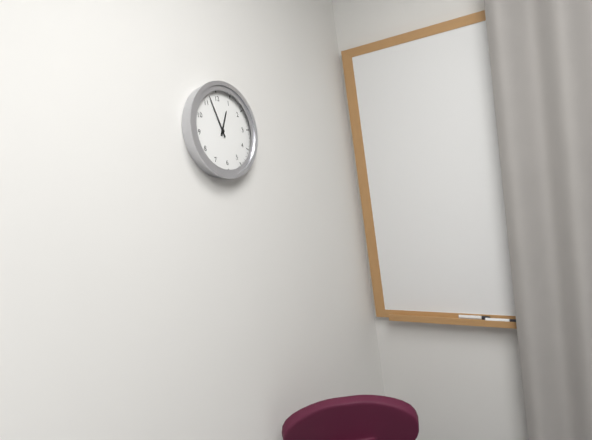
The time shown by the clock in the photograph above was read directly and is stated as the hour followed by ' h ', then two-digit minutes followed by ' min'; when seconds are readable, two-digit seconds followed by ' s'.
12 h 57 min
